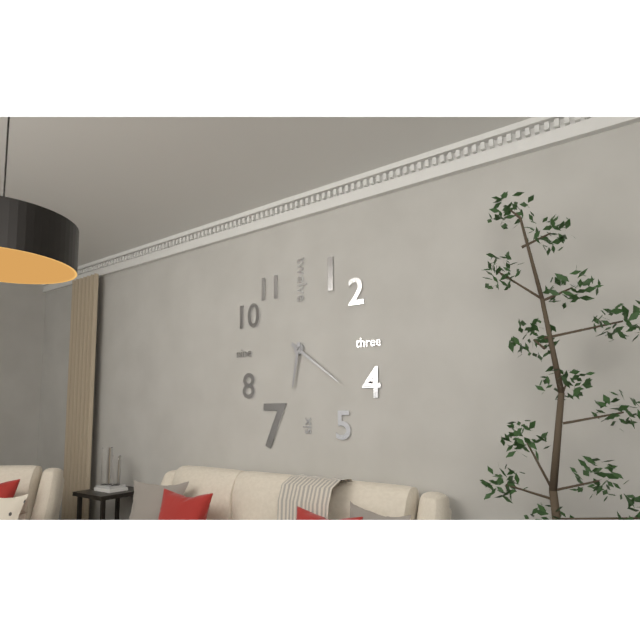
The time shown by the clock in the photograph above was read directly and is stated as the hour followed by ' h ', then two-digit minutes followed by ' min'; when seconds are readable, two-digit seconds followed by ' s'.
6 h 21 min
